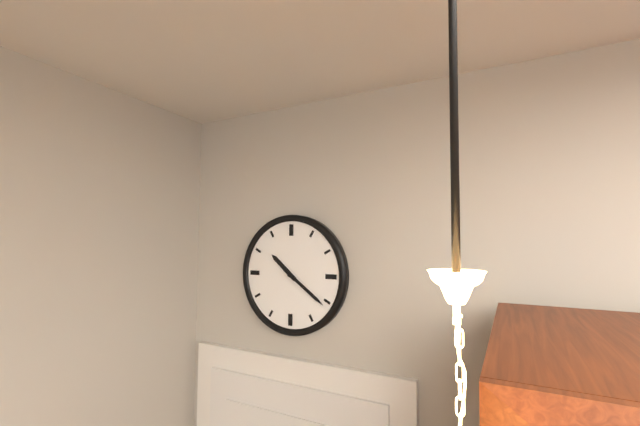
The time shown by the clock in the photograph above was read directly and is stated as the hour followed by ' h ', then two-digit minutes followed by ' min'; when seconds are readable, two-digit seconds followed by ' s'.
10 h 21 min
